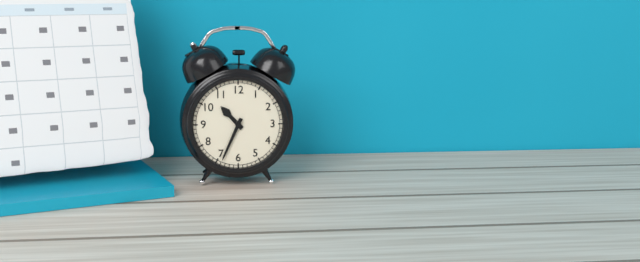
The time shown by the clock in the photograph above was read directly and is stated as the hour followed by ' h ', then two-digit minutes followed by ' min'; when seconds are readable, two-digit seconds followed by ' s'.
10 h 34 min
